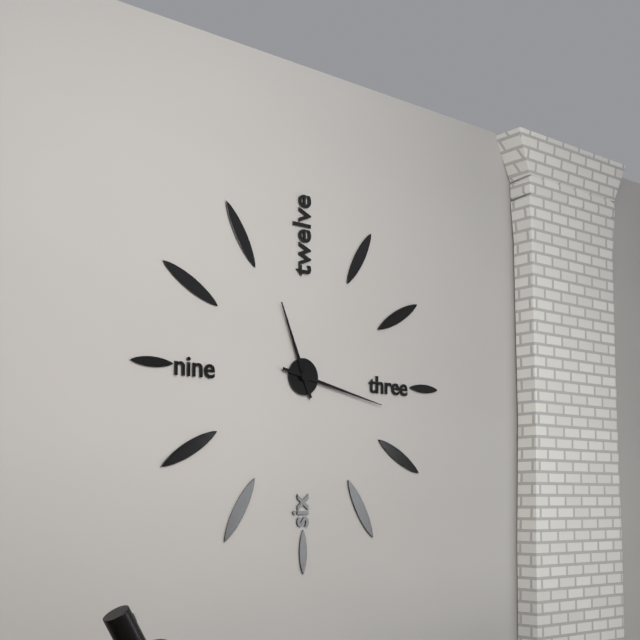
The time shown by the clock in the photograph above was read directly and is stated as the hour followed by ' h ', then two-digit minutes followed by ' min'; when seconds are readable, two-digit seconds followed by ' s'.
11 h 17 min
